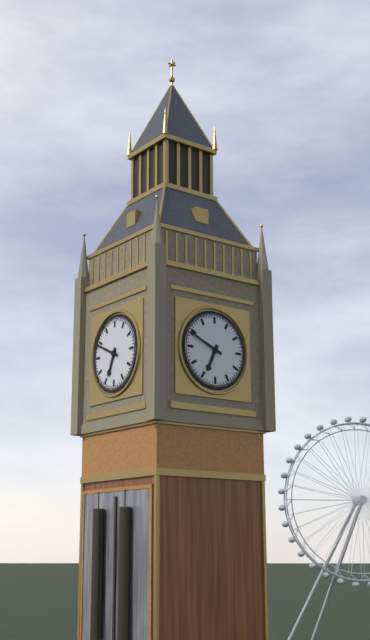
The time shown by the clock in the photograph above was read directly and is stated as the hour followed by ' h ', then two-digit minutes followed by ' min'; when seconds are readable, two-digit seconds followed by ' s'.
6 h 49 min
